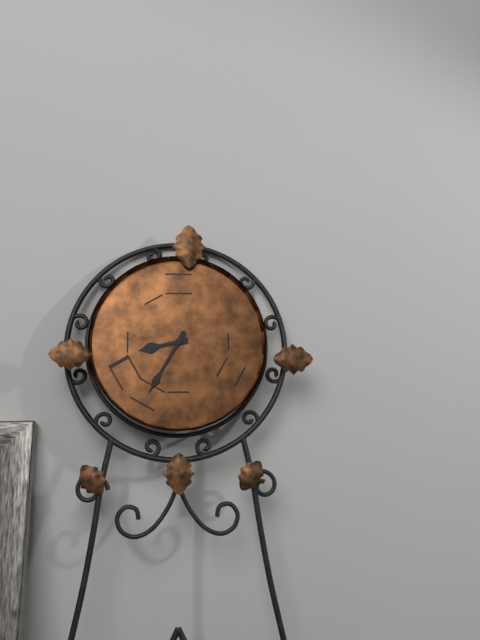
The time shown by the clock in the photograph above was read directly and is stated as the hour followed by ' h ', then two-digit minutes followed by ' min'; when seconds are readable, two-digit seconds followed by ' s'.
8 h 35 min
